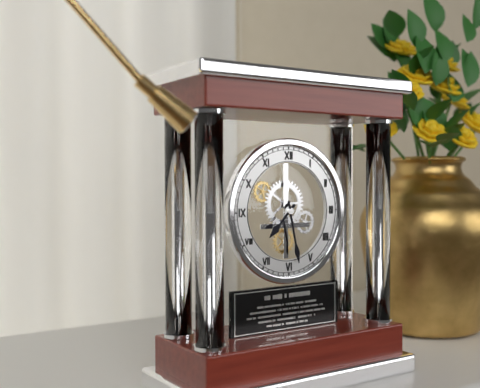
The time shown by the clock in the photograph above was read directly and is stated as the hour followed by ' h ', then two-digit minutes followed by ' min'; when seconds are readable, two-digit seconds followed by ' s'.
7 h 28 min
